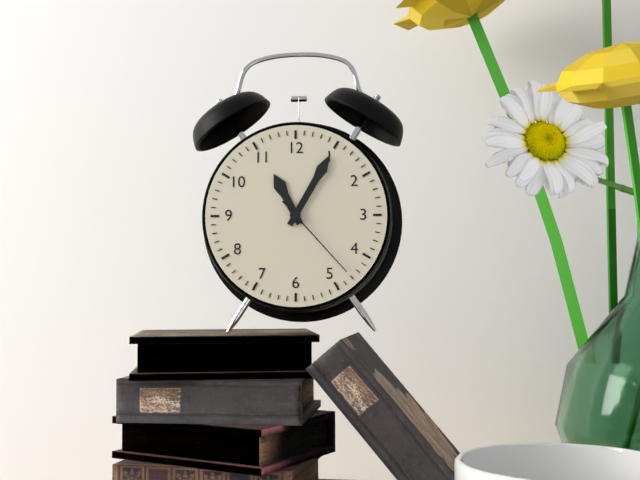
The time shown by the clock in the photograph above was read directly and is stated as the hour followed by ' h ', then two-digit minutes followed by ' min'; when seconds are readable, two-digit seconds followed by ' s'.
11 h 05 min 23 s
